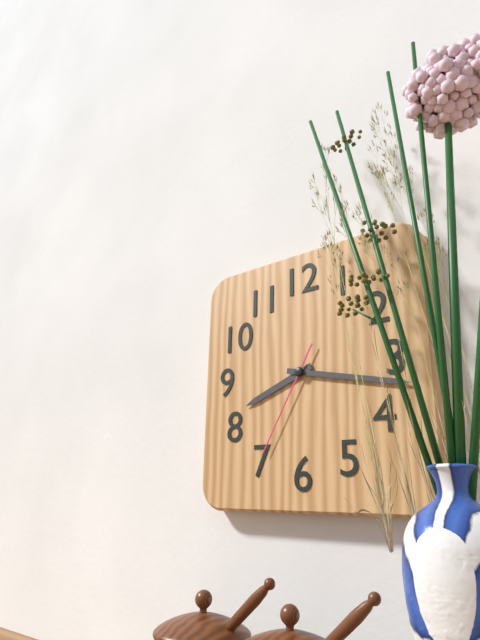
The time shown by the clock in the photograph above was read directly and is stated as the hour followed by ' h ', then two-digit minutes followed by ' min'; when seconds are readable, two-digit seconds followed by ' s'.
8 h 17 min 35 s
